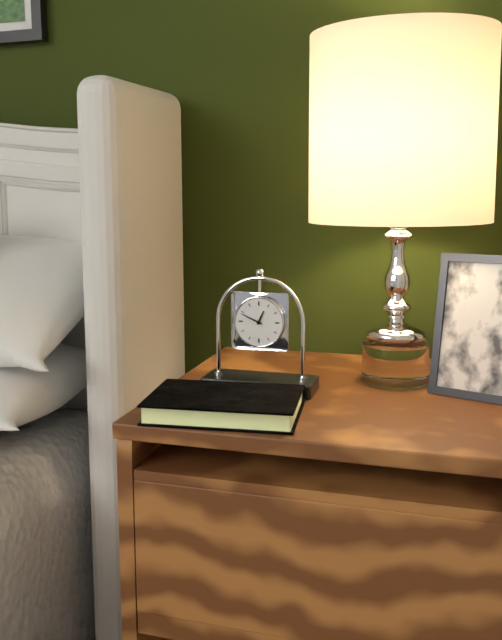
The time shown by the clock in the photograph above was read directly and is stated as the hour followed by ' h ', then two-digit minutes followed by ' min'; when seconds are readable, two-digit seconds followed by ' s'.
12 h 49 min
